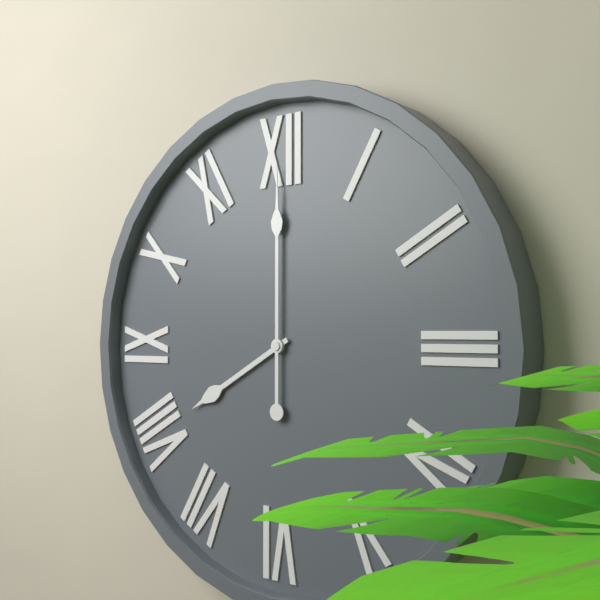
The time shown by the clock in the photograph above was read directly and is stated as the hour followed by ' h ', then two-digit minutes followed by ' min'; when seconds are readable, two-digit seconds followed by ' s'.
8 h 00 min
